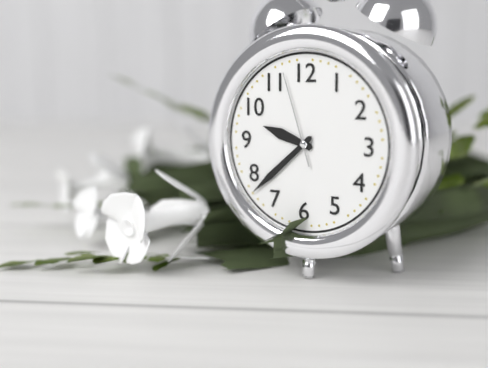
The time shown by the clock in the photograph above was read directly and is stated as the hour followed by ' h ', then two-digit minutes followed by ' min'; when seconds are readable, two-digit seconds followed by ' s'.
9 h 38 min 57 s
